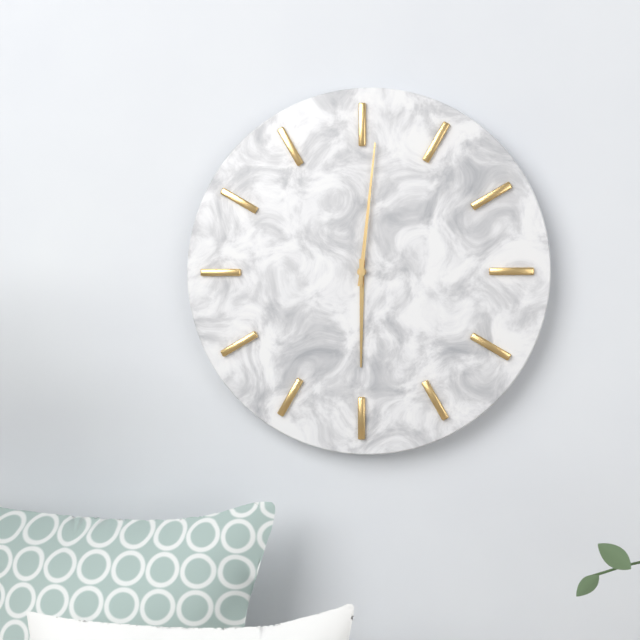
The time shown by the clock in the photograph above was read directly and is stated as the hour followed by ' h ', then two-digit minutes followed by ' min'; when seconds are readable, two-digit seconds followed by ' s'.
6 h 01 min
